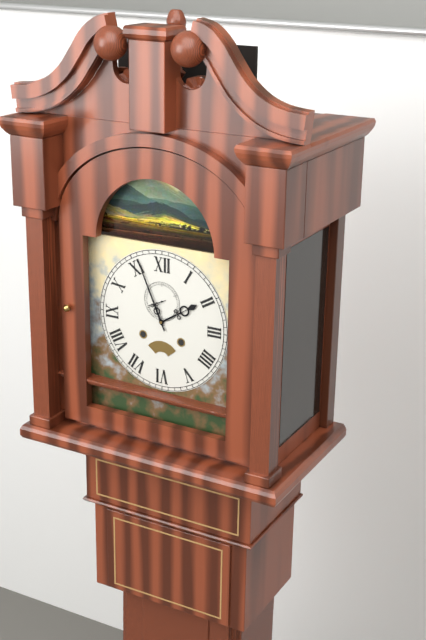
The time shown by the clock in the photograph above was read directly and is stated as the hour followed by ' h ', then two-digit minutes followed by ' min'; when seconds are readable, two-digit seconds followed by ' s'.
1 h 56 min
